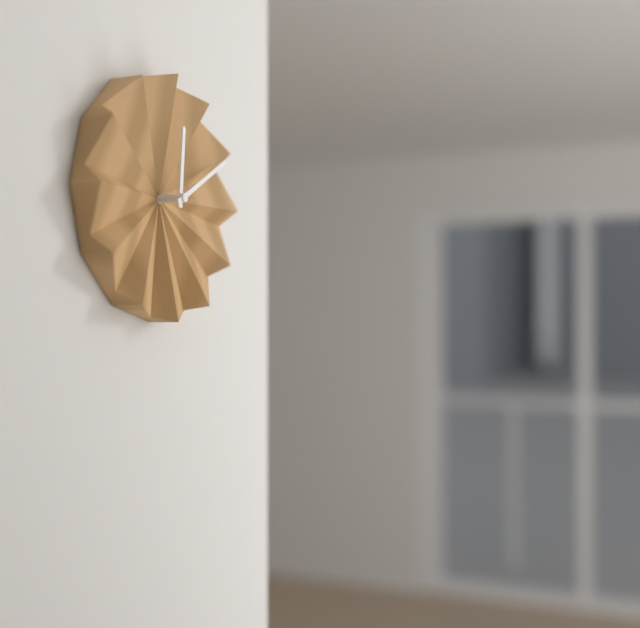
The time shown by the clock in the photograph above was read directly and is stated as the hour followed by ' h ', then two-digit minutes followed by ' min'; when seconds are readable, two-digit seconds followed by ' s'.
12 h 10 min
